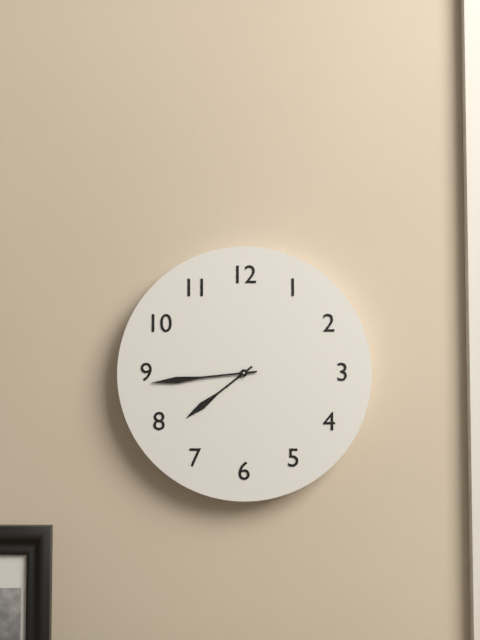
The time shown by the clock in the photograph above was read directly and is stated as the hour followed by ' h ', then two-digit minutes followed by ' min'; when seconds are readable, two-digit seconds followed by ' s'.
7 h 44 min
